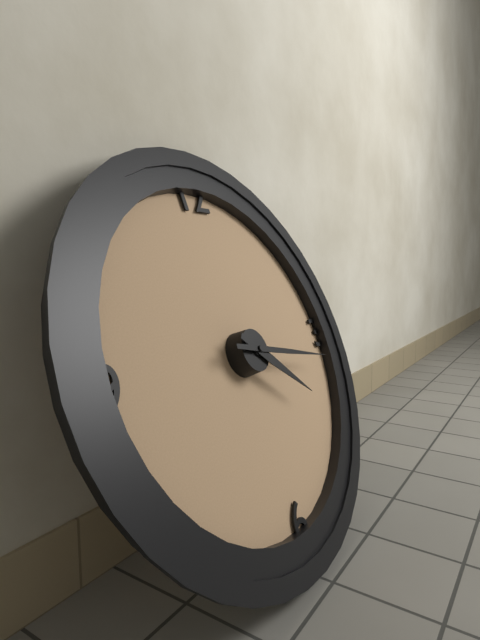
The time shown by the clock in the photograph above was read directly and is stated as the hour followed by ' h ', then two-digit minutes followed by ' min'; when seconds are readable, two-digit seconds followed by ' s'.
4 h 17 min
